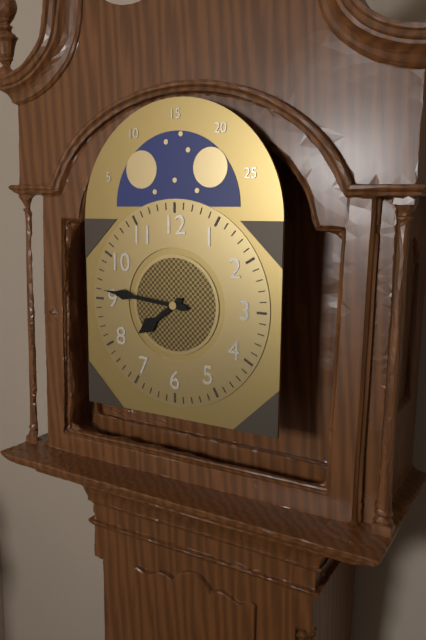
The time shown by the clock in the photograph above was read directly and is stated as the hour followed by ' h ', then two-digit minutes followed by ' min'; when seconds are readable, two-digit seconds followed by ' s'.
7 h 46 min
